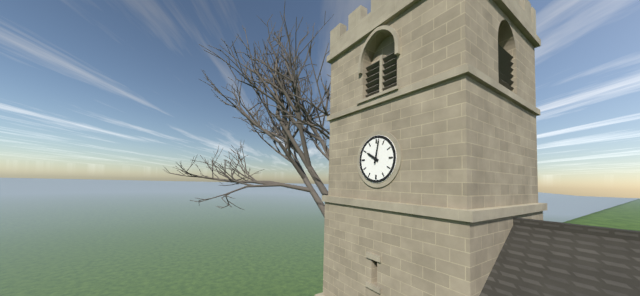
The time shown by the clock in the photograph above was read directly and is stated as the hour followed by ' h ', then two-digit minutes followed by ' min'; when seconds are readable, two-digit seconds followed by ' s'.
10 h 02 min
